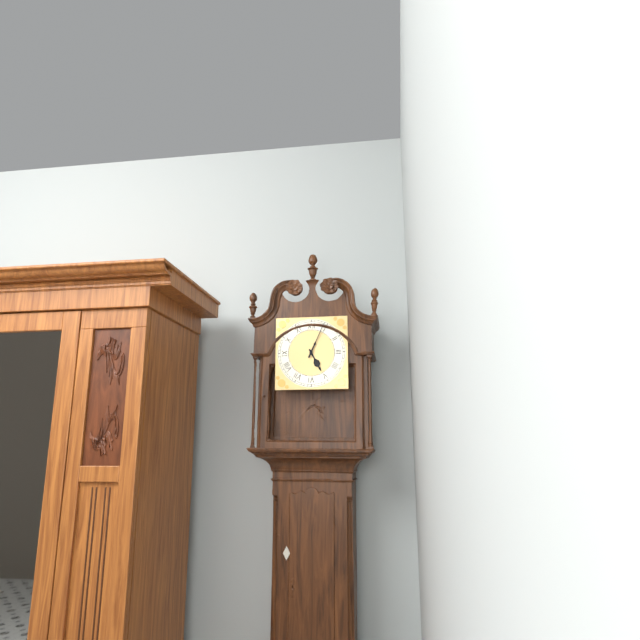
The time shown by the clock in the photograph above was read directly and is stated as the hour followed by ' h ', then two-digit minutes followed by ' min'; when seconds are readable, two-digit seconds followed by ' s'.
5 h 04 min
